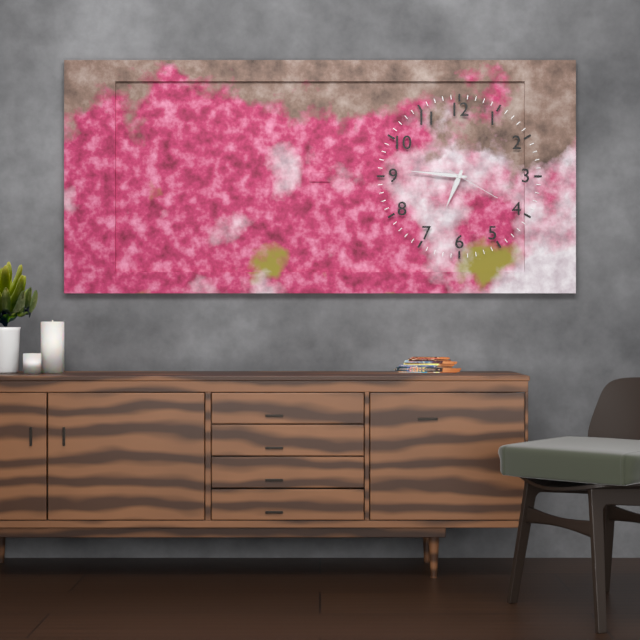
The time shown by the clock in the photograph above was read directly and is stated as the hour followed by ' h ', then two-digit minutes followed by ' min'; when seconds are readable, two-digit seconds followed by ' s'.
6 h 46 min 20 s
